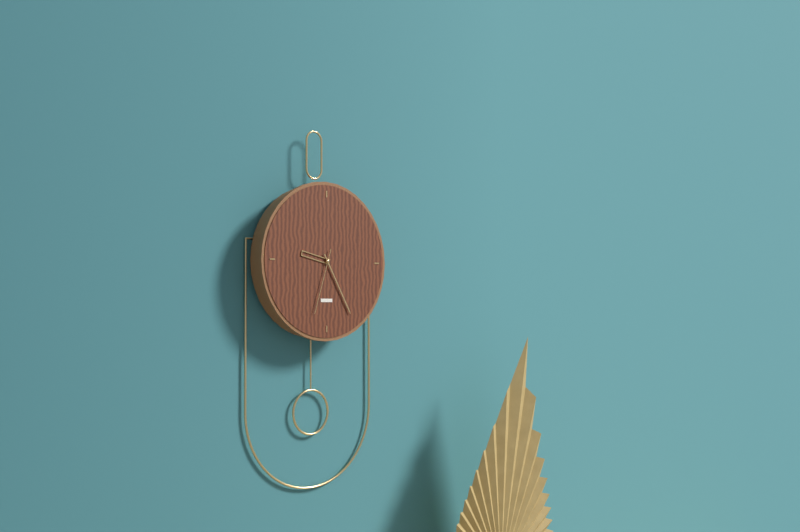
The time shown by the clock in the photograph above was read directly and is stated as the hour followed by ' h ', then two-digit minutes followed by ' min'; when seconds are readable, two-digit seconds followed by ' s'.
9 h 25 min 33 s
